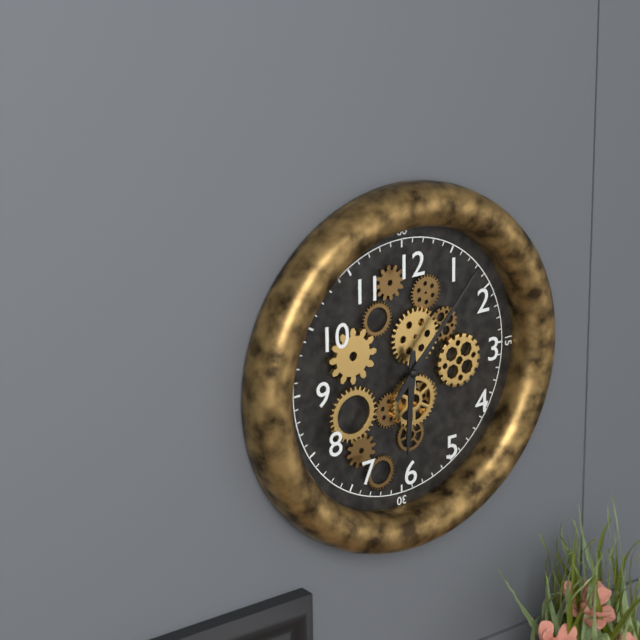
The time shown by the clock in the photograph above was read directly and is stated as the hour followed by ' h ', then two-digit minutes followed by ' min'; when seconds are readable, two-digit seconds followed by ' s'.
6 h 07 min
